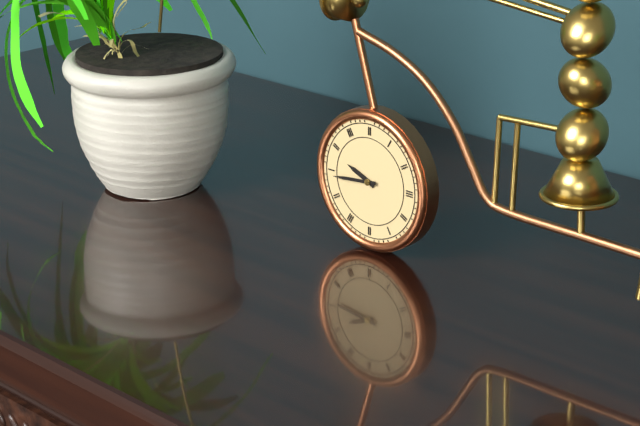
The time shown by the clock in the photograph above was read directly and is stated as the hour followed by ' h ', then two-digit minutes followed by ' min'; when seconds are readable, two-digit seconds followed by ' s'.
9 h 44 min
